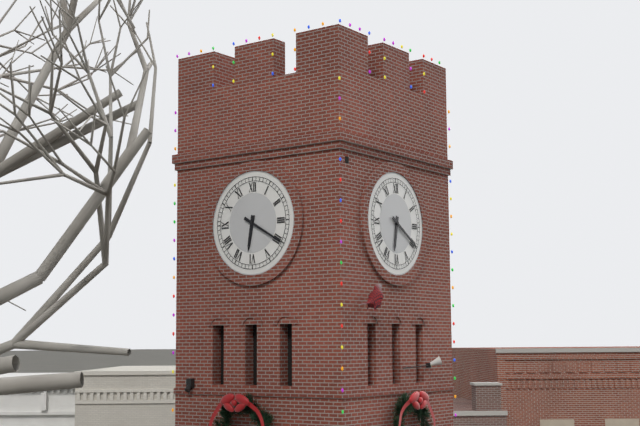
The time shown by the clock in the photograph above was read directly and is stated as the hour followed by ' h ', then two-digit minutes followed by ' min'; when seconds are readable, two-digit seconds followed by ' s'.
6 h 20 min
